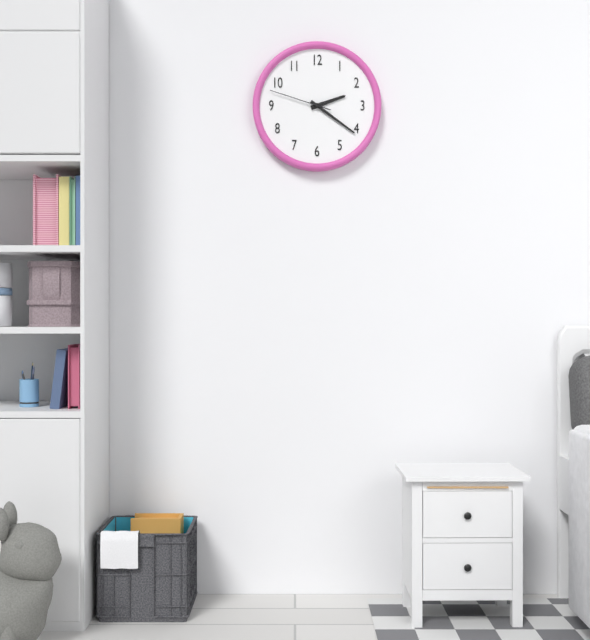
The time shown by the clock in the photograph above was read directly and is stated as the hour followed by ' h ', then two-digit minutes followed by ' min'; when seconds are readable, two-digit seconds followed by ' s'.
2 h 21 min 48 s
